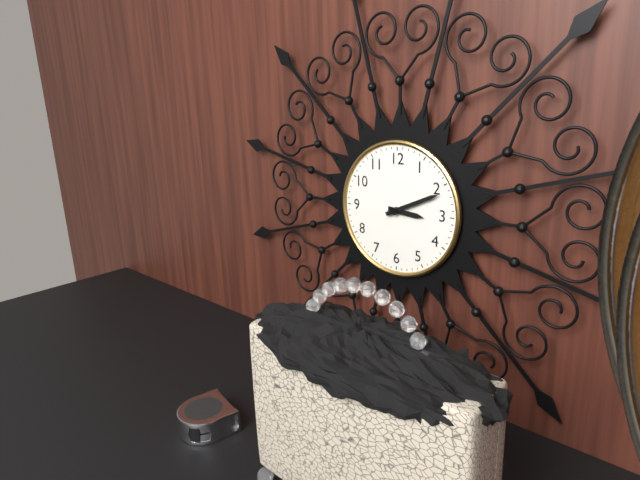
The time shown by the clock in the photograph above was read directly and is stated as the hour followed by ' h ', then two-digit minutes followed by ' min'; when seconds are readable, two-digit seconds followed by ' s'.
3 h 11 min
